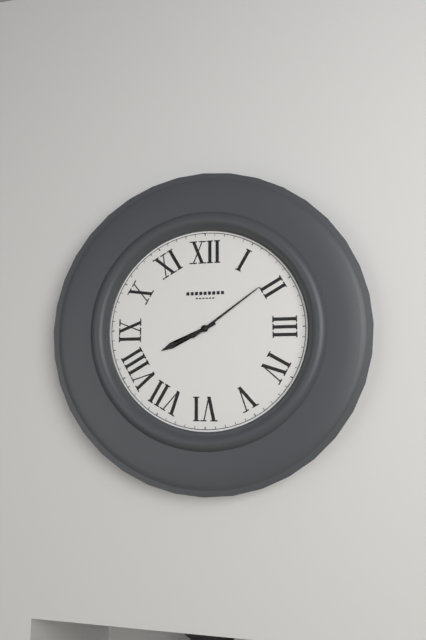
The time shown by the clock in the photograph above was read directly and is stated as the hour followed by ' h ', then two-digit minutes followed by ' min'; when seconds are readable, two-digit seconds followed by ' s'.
8 h 09 min
